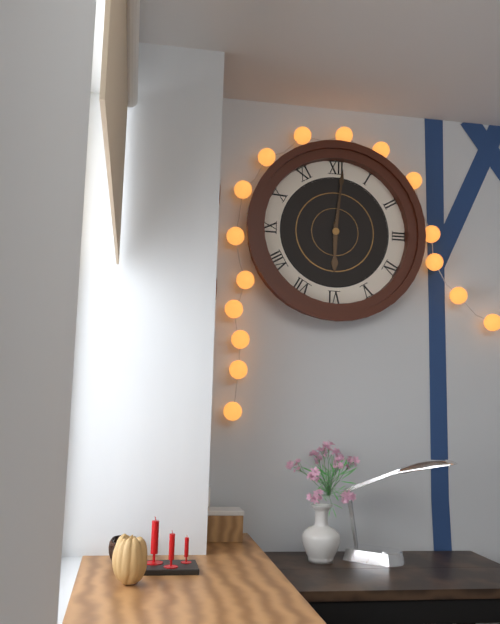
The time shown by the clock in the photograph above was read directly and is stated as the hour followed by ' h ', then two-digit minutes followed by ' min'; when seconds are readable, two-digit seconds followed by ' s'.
6 h 01 min
